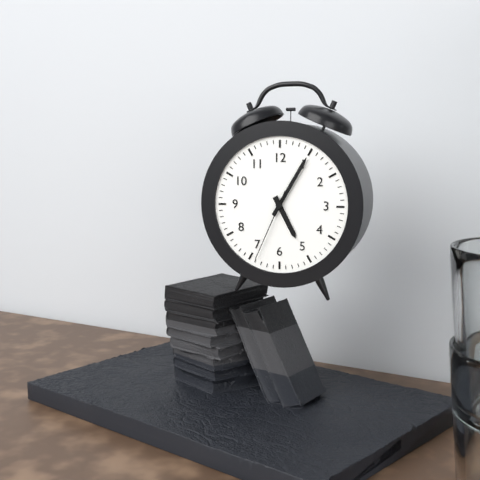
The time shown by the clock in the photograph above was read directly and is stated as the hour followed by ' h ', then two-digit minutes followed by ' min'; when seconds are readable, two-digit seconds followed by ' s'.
5 h 05 min 34 s
